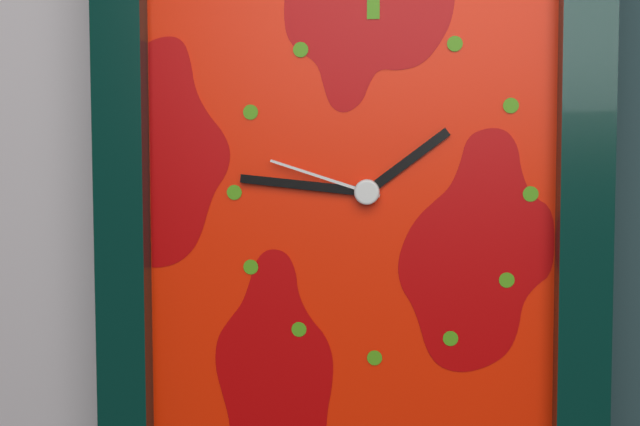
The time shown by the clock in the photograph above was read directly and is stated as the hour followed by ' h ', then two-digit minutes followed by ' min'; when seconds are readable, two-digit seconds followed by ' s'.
1 h 46 min 48 s
